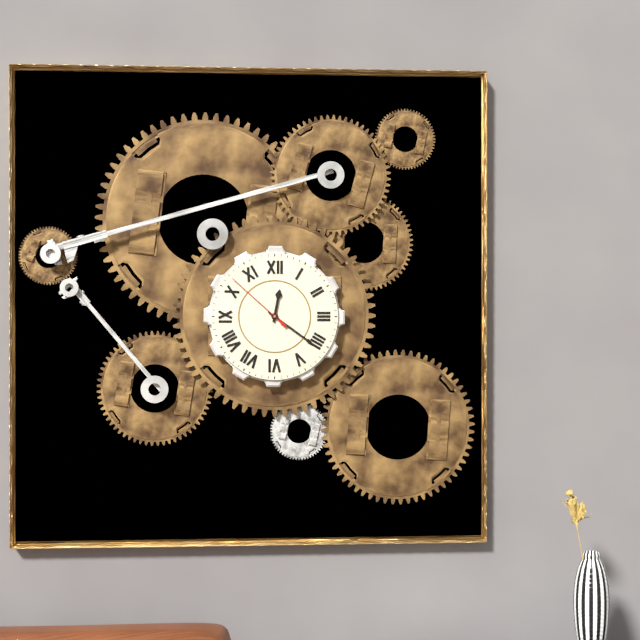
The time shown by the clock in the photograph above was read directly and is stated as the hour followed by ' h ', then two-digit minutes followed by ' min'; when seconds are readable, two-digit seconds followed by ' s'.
12 h 21 min 52 s
